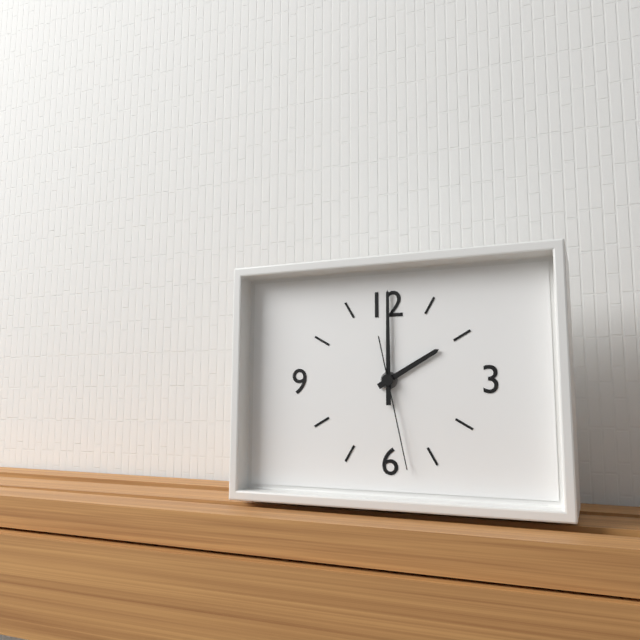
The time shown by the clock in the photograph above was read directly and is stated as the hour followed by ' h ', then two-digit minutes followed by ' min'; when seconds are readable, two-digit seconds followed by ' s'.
2 h 00 min 28 s
